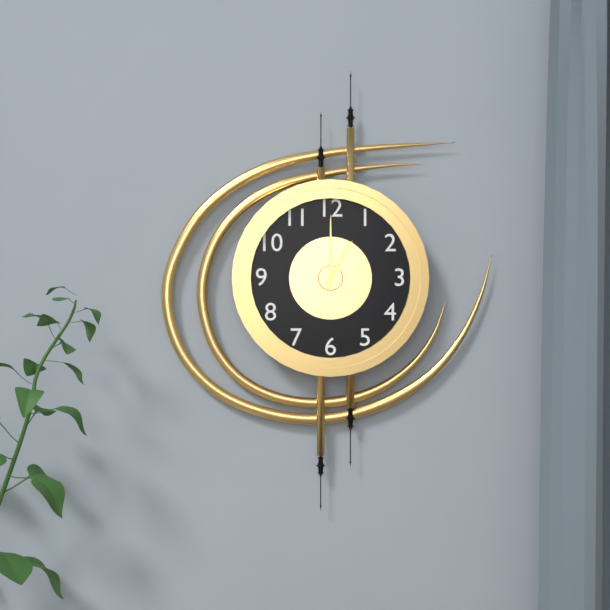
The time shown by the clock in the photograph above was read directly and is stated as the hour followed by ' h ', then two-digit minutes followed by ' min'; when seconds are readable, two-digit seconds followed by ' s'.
1 h 00 min
